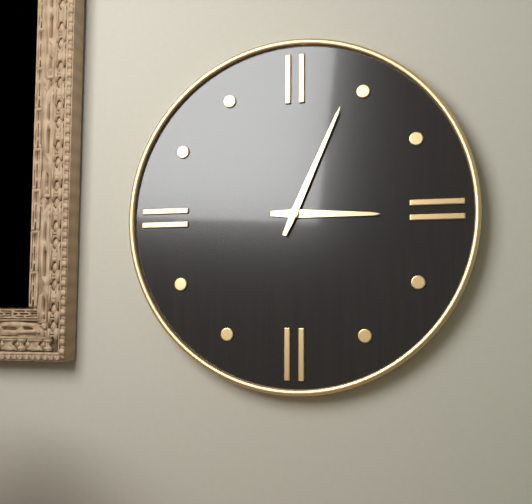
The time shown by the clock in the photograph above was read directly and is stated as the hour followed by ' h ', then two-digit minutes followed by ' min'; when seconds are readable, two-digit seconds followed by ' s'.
3 h 04 min
